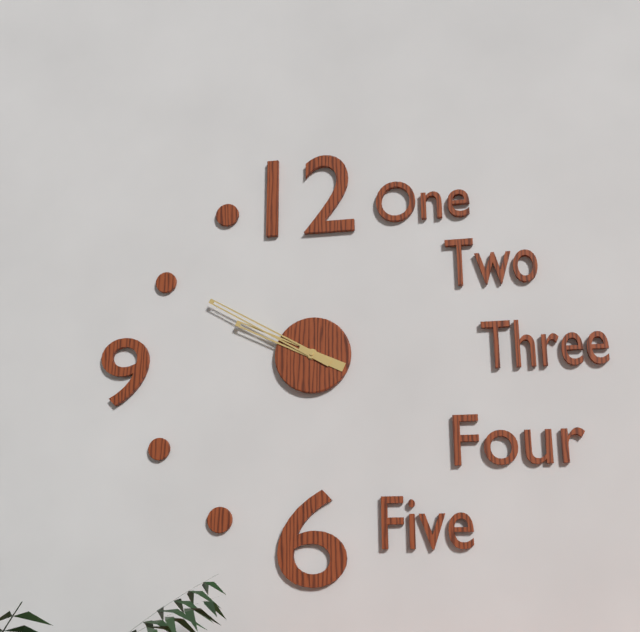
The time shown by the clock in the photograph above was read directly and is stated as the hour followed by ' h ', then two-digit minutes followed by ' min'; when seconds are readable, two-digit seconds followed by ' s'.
9 h 50 min
